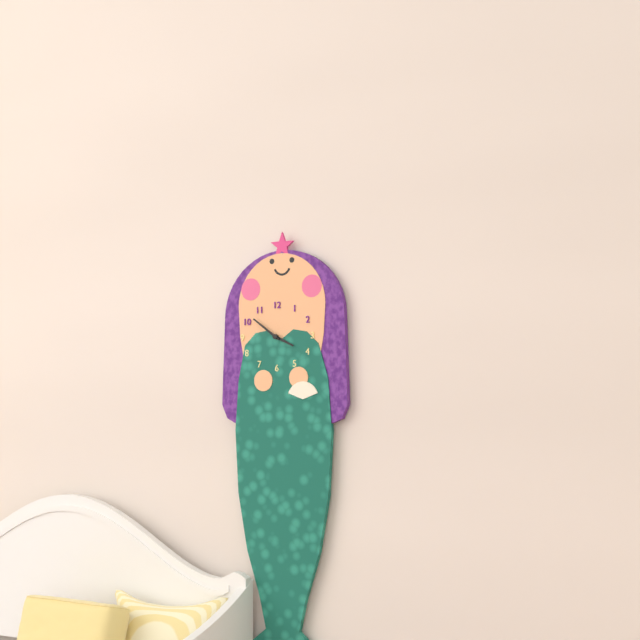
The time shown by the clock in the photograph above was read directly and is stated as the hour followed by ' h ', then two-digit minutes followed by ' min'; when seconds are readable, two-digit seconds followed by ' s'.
3 h 51 min
